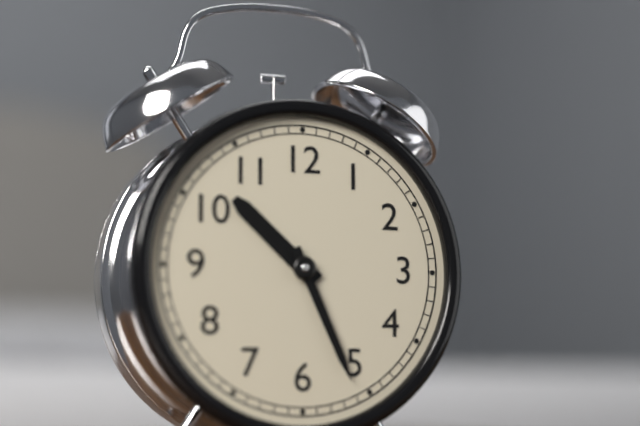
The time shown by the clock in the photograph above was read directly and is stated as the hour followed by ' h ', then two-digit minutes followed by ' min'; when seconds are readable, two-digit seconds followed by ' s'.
10 h 26 min
